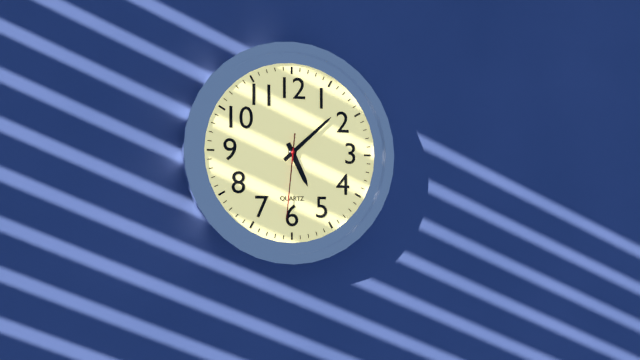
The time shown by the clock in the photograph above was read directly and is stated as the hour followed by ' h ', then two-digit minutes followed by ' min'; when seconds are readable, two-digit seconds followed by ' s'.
5 h 08 min 31 s
